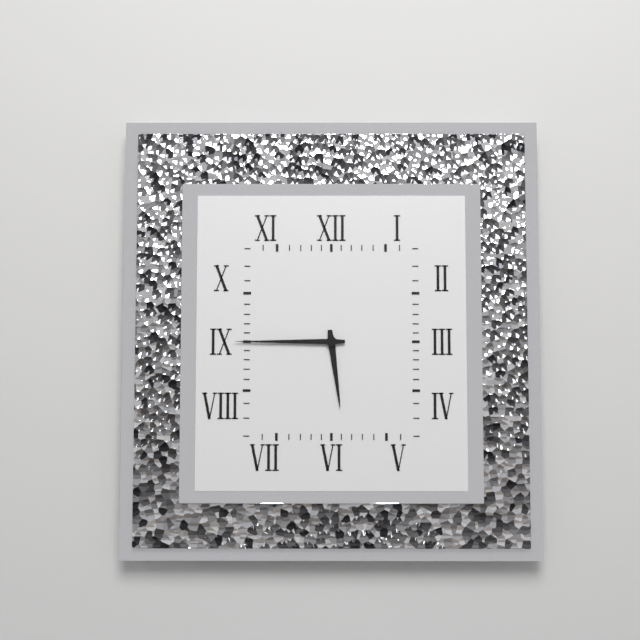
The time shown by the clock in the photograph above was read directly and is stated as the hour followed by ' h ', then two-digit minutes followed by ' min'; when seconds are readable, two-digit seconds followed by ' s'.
5 h 45 min
